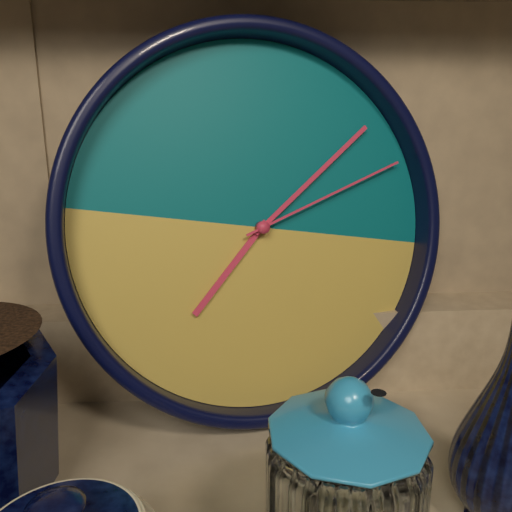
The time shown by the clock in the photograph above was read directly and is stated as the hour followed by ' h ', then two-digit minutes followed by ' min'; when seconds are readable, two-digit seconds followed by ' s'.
7 h 07 min 10 s
